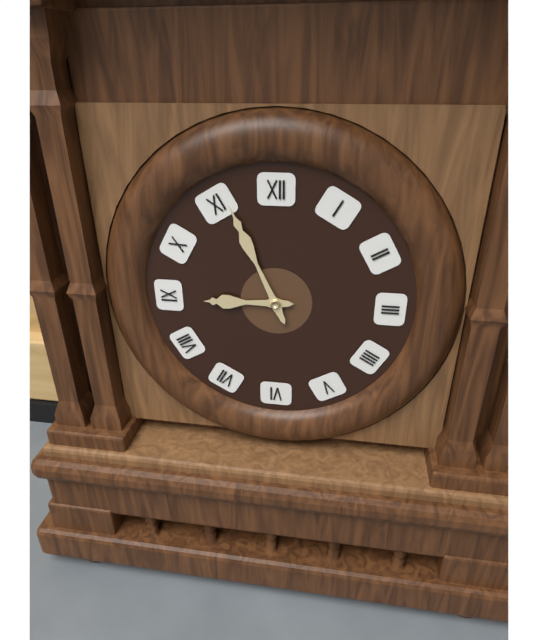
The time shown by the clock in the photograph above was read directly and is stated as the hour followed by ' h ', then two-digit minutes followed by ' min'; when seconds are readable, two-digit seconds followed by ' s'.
8 h 56 min
